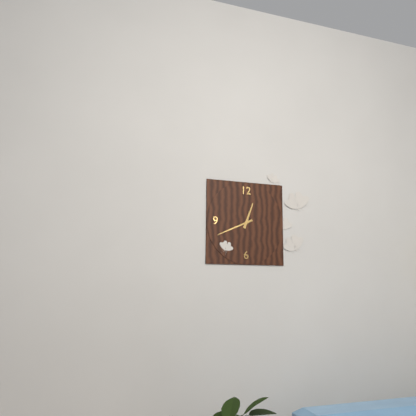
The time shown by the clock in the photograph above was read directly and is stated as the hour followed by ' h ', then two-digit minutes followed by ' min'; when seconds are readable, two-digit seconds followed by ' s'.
12 h 41 min
